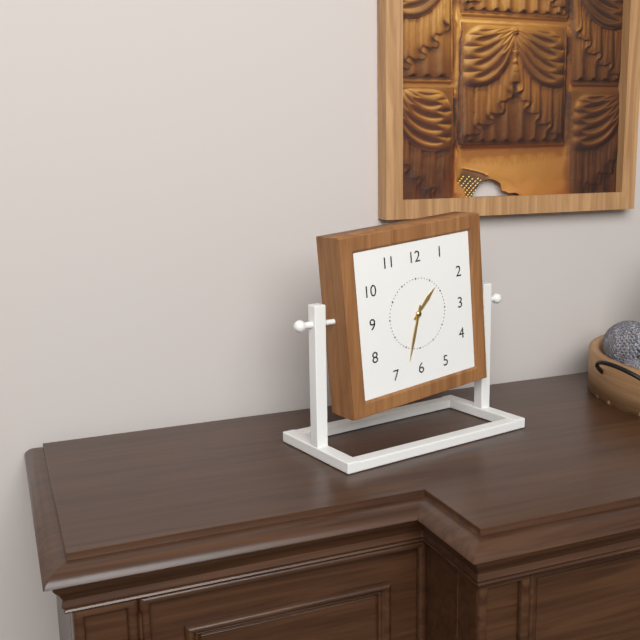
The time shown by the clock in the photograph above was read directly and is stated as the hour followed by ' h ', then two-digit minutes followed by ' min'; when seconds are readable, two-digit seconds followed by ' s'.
1 h 33 min
